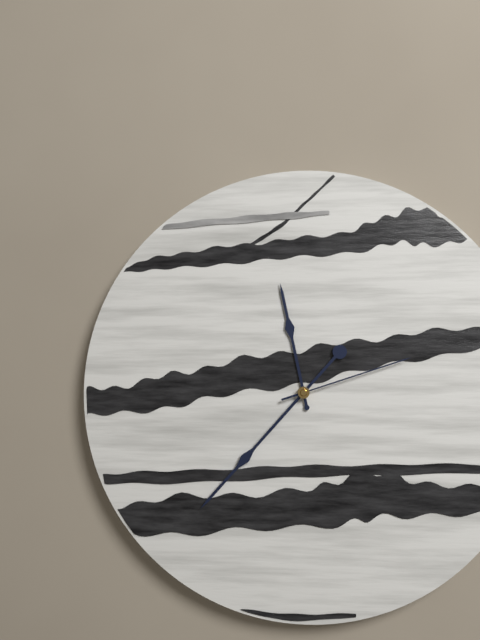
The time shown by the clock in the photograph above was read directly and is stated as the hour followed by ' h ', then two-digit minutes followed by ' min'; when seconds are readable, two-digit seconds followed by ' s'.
11 h 37 min 12 s
